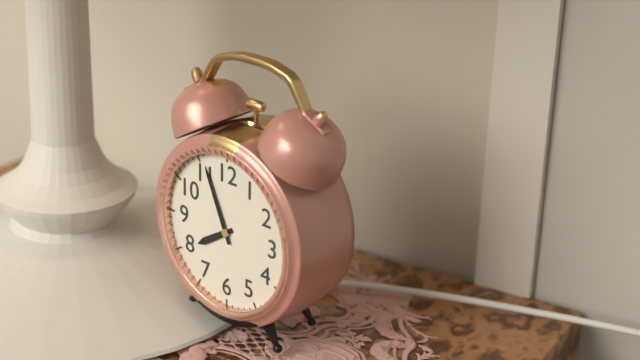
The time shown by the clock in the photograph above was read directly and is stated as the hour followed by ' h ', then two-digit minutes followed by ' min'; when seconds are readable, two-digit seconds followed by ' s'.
7 h 56 min
